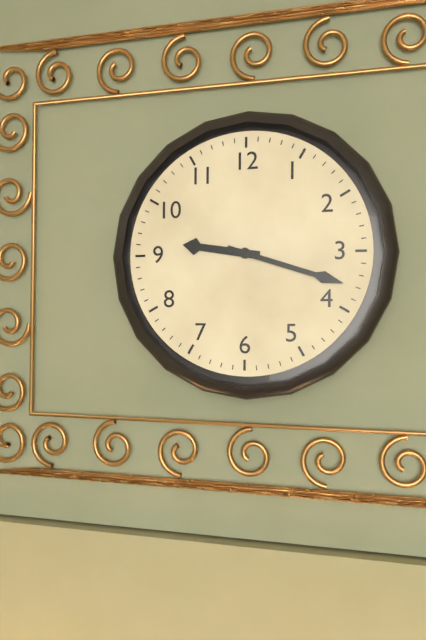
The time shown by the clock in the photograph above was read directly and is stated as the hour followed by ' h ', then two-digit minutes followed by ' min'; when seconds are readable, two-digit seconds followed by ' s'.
9 h 18 min
